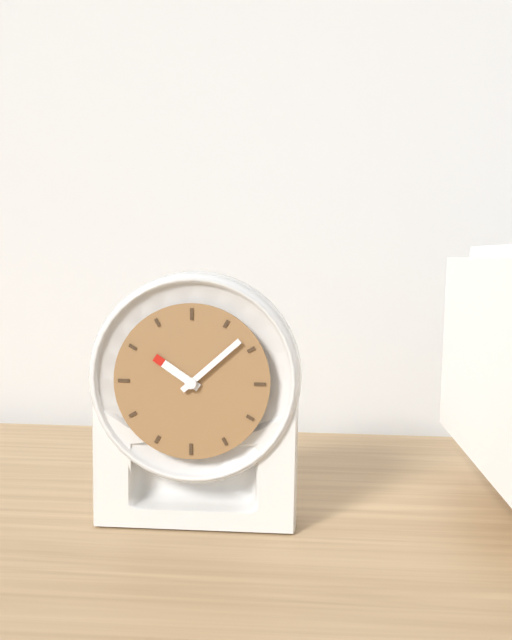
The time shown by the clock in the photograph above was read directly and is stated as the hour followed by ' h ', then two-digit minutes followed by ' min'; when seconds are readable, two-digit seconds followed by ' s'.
10 h 08 min
